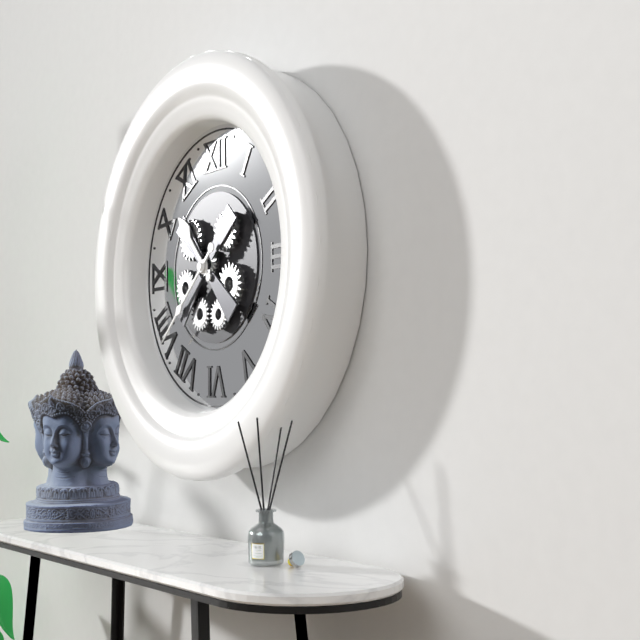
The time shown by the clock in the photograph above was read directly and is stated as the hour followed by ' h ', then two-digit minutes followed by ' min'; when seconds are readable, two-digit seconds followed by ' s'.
10 h 38 min
